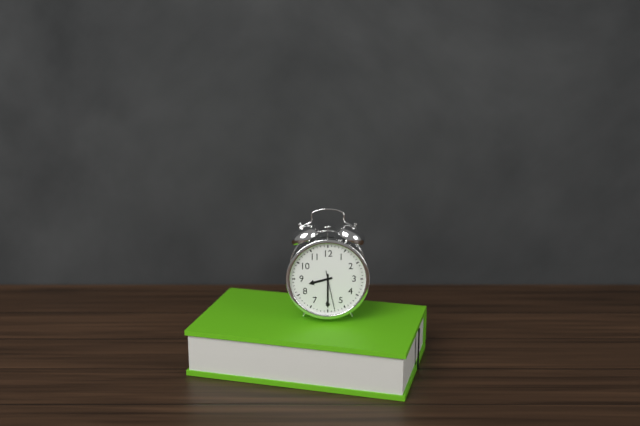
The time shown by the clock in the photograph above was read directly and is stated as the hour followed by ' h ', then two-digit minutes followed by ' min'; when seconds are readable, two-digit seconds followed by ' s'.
8 h 30 min
